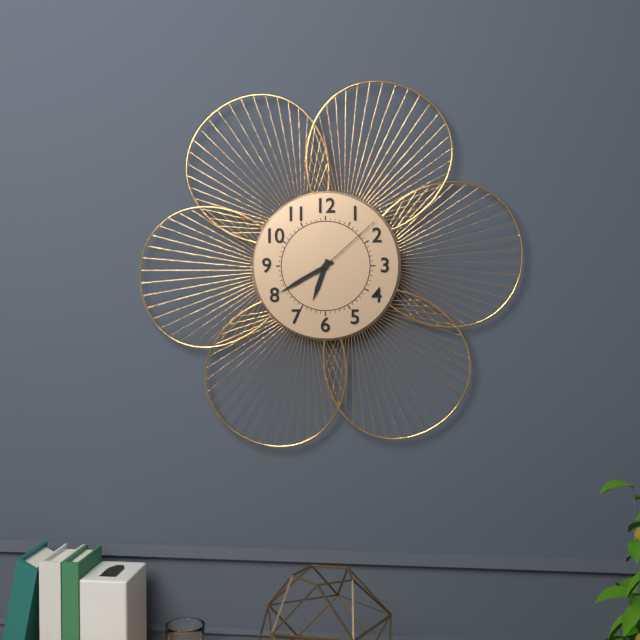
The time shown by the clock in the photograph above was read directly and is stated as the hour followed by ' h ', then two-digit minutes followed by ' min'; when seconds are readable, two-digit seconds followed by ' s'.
6 h 40 min 08 s
